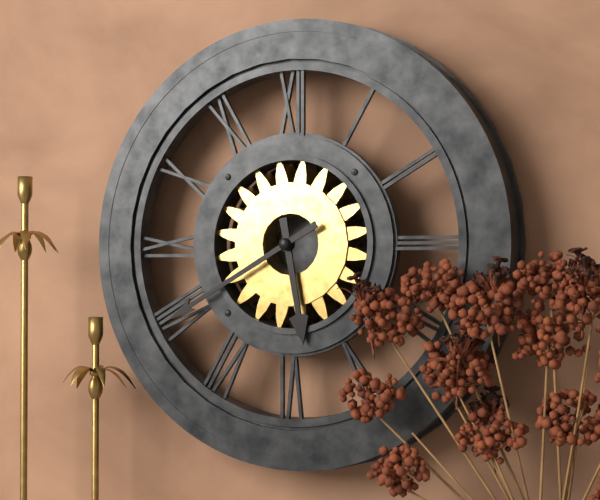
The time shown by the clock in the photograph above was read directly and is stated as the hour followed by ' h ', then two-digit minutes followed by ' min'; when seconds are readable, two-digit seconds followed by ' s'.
5 h 40 min
